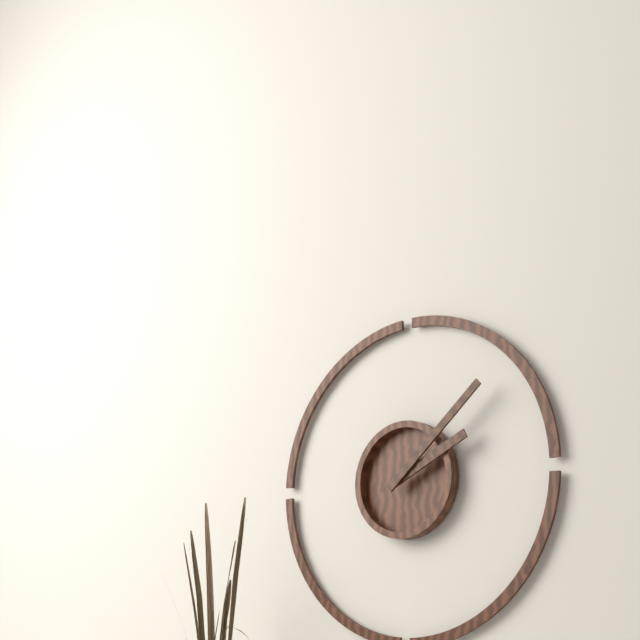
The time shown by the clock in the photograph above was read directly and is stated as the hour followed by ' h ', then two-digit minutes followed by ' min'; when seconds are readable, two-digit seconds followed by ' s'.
2 h 08 min
